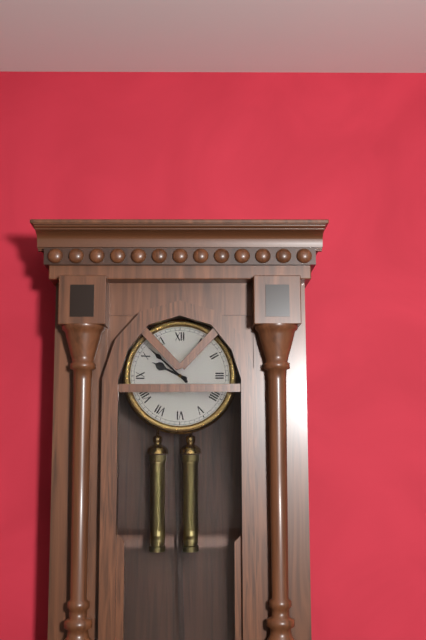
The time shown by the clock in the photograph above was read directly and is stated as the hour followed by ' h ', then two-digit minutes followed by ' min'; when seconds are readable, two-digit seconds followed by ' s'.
9 h 52 min
